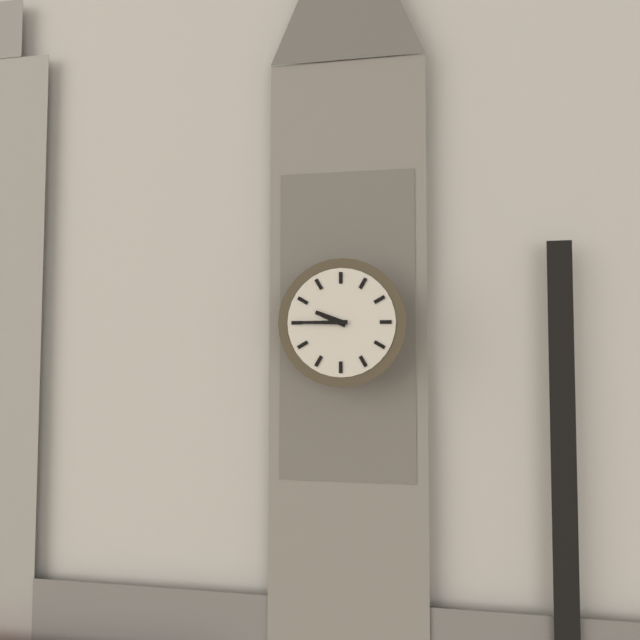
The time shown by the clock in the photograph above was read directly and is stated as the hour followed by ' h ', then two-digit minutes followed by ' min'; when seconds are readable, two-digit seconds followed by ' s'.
9 h 45 min
